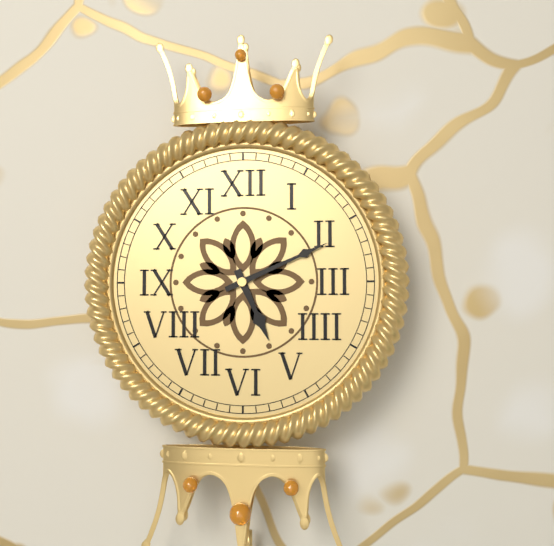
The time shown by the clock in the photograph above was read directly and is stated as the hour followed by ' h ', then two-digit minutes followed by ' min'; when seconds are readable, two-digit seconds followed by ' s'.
5 h 11 min
